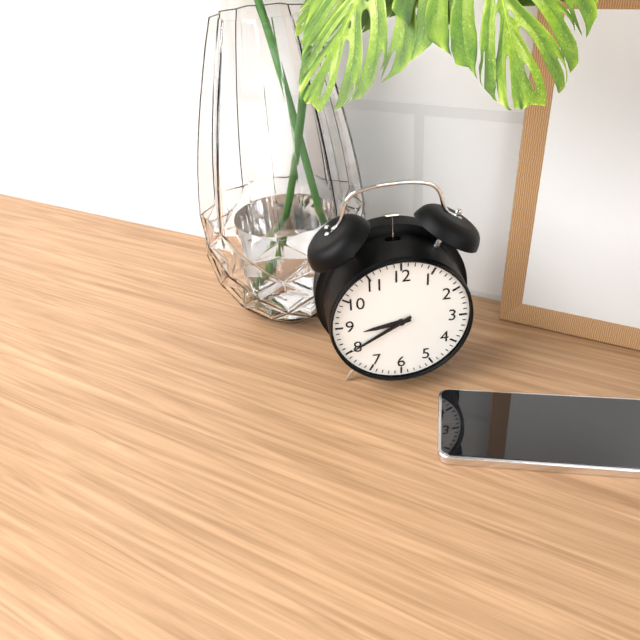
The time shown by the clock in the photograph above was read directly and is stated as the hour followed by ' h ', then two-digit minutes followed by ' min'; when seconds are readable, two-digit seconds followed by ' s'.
8 h 40 min
